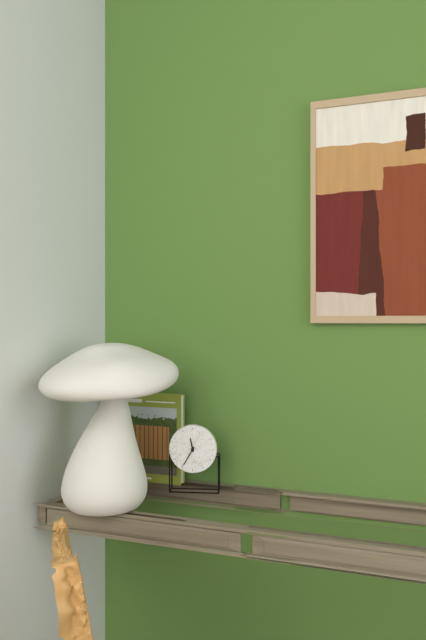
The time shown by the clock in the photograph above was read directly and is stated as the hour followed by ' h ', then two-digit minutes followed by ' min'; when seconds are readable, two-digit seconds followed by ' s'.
11 h 35 min
